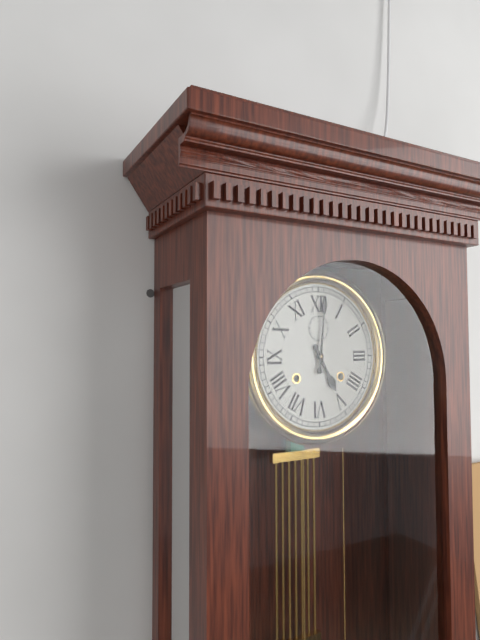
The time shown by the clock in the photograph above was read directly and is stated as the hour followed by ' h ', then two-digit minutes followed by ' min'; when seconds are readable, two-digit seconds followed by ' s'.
5 h 01 min
